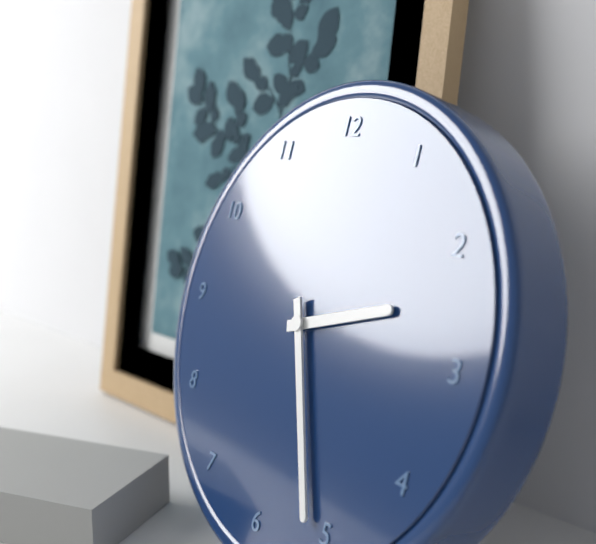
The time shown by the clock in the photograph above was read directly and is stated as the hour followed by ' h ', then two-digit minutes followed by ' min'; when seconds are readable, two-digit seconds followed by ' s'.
2 h 26 min
